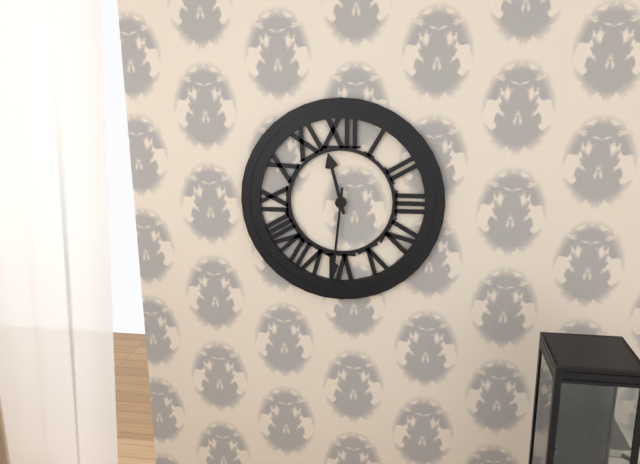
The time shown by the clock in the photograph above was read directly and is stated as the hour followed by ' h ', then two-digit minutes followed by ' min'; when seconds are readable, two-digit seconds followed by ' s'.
11 h 31 min
